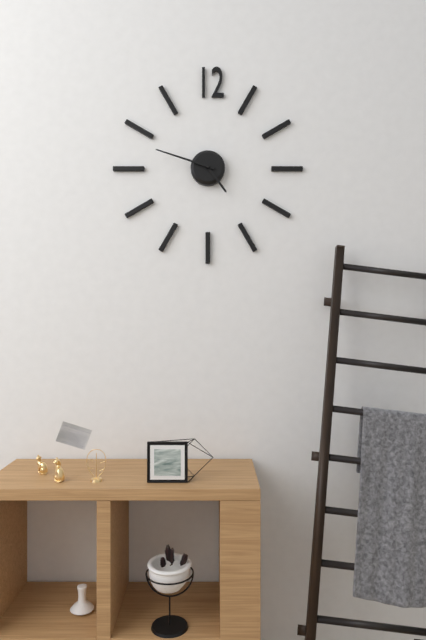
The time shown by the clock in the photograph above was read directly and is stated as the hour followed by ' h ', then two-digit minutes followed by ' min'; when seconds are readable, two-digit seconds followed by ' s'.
4 h 48 min
